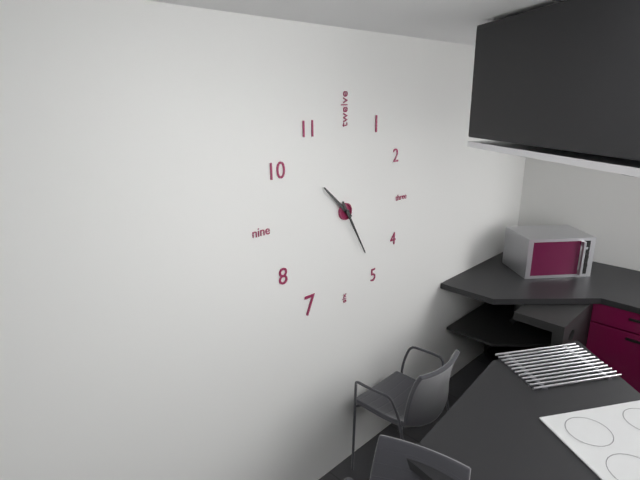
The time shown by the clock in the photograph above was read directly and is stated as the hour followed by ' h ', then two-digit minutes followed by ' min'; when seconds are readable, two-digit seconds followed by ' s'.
10 h 25 min
